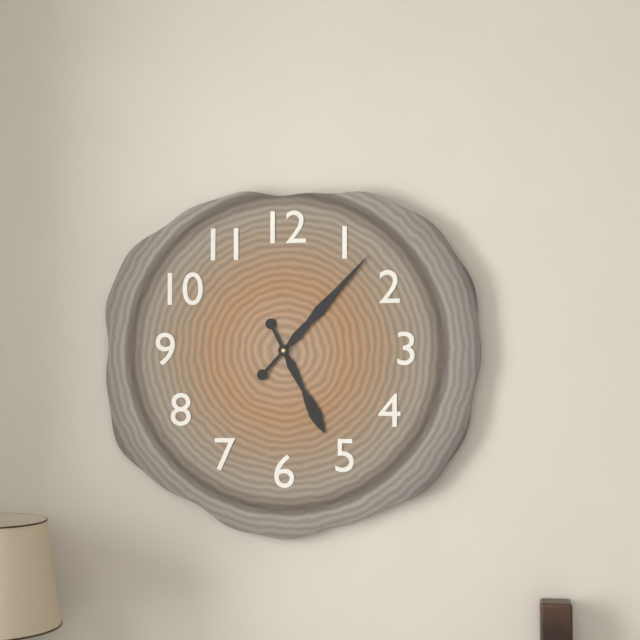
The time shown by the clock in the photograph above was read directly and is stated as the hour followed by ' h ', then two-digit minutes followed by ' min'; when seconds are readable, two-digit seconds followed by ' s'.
5 h 07 min
